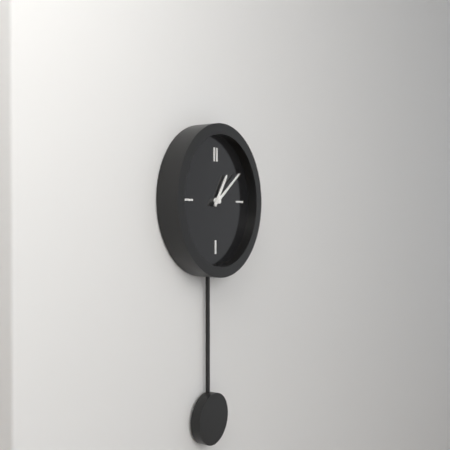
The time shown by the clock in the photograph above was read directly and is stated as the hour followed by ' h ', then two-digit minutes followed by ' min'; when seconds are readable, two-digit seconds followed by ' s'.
1 h 09 min
